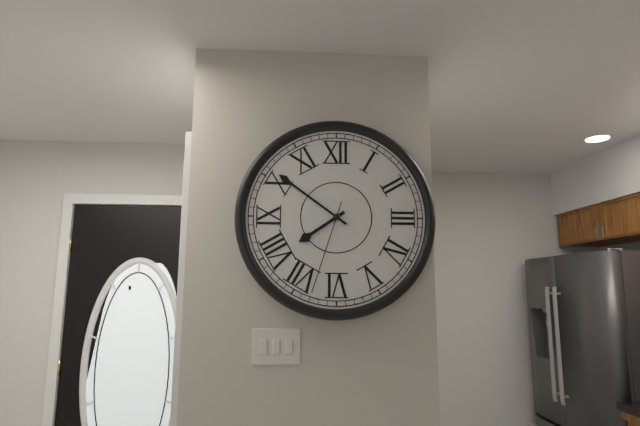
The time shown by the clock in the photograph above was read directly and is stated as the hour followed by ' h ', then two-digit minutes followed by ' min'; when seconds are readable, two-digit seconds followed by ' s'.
7 h 51 min 33 s
